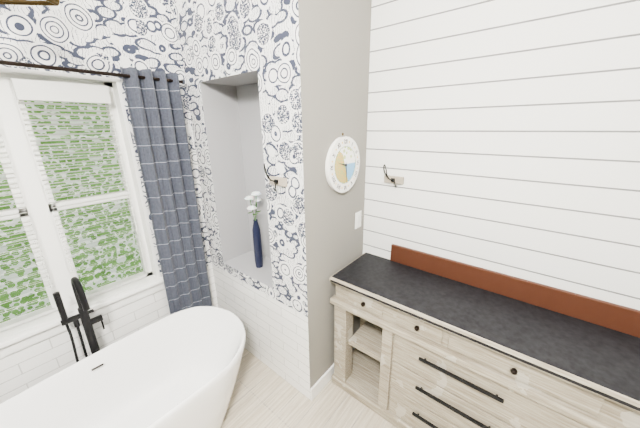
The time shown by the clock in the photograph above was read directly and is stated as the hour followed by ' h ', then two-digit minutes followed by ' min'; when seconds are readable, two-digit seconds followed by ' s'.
9 h 29 min
